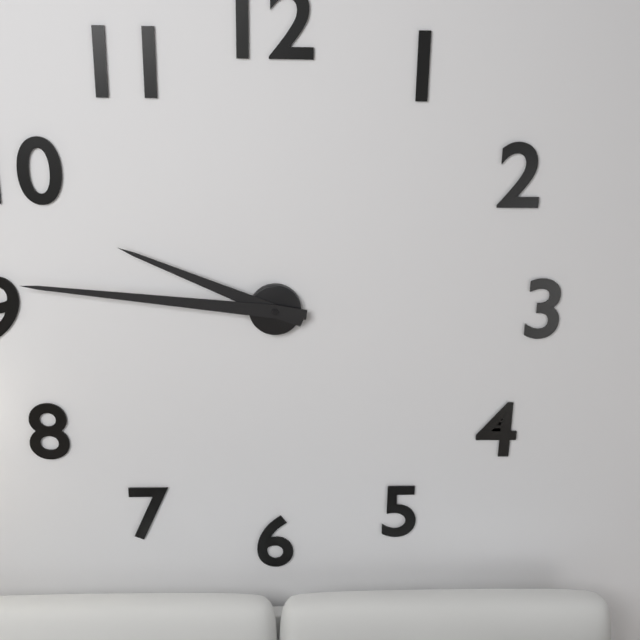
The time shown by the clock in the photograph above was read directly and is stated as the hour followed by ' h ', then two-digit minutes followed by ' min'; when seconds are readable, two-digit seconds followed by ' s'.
9 h 46 min
